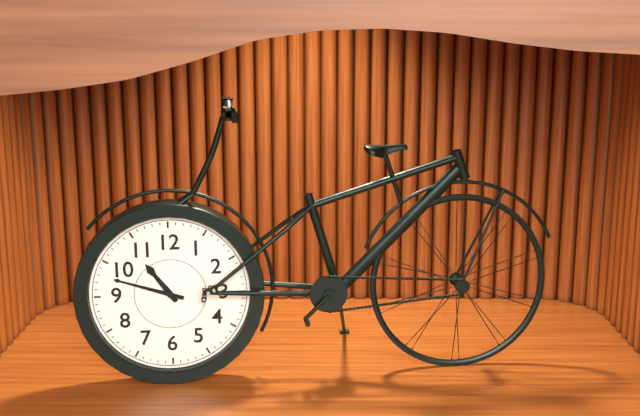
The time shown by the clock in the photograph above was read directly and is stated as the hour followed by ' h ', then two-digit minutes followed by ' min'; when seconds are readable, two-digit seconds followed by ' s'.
10 h 48 min
